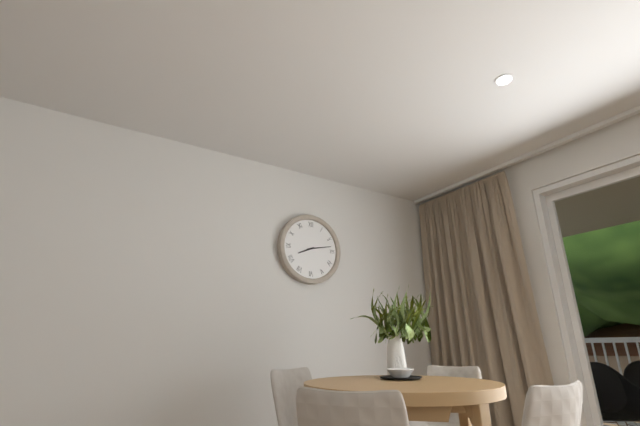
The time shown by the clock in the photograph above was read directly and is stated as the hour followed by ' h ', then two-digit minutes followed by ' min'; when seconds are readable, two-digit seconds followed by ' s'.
8 h 13 min
